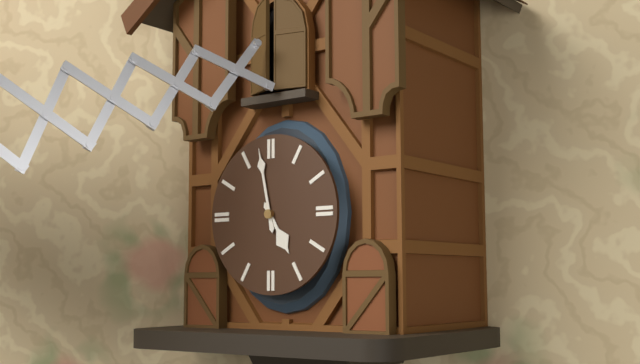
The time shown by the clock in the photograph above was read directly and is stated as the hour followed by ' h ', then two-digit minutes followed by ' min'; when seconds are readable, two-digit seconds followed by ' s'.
4 h 58 min
